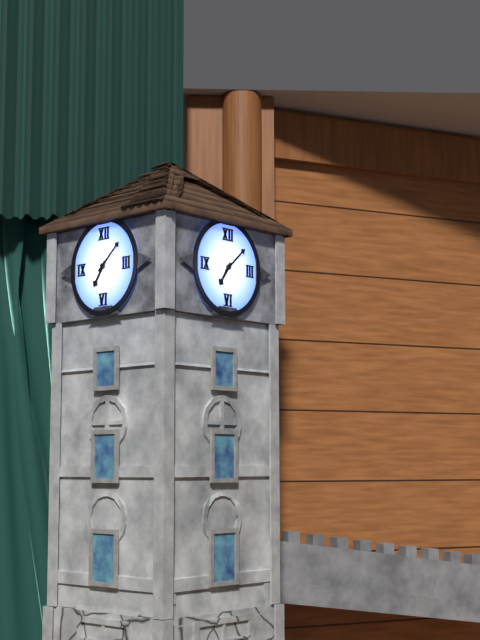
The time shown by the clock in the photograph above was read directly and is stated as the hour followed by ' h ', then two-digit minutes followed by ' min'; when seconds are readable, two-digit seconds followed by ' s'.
7 h 08 min
